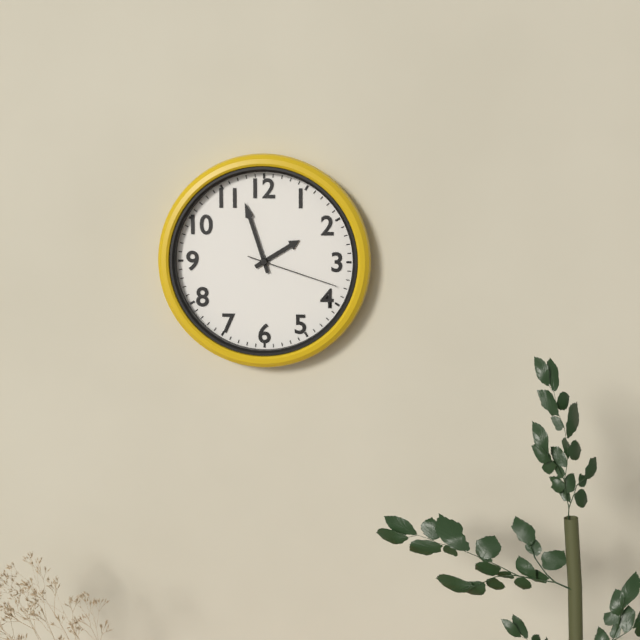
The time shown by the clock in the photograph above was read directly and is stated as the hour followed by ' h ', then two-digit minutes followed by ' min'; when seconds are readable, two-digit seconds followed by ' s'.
1 h 57 min 18 s
